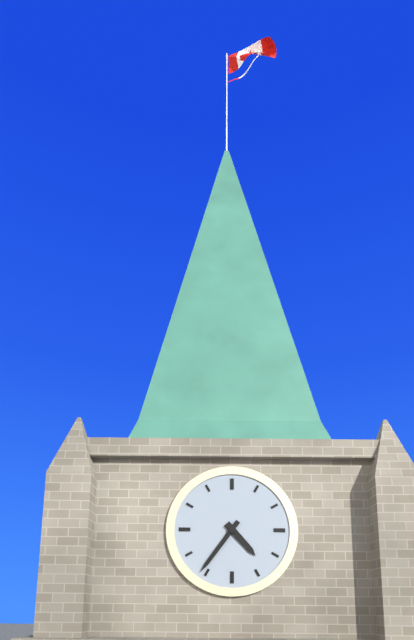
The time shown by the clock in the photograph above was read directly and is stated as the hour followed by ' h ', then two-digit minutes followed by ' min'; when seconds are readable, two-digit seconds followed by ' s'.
4 h 36 min
